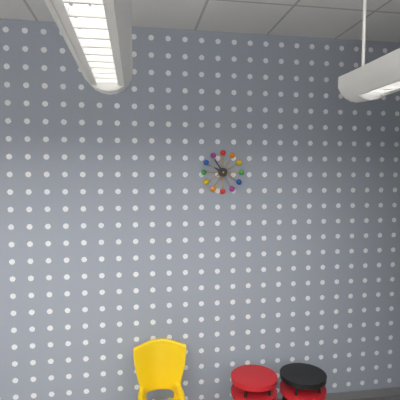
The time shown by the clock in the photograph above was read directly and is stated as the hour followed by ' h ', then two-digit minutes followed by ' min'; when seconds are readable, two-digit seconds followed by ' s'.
9 h 54 min
